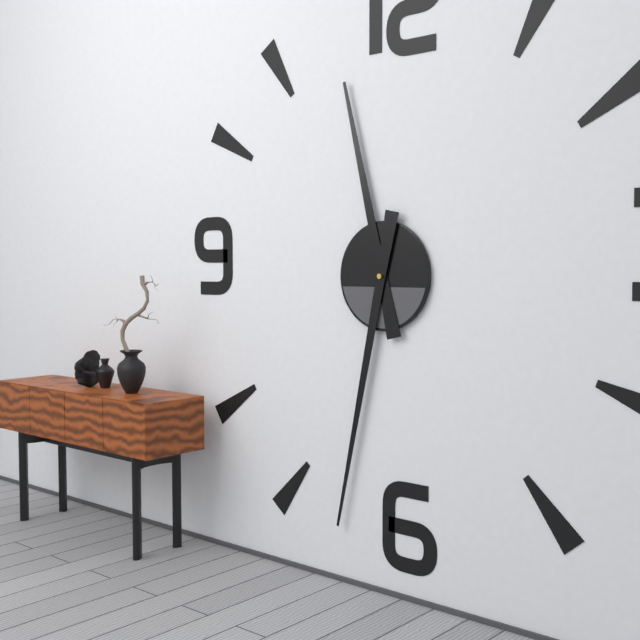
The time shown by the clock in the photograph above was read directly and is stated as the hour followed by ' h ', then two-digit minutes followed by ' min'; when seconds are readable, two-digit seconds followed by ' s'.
11 h 32 min
